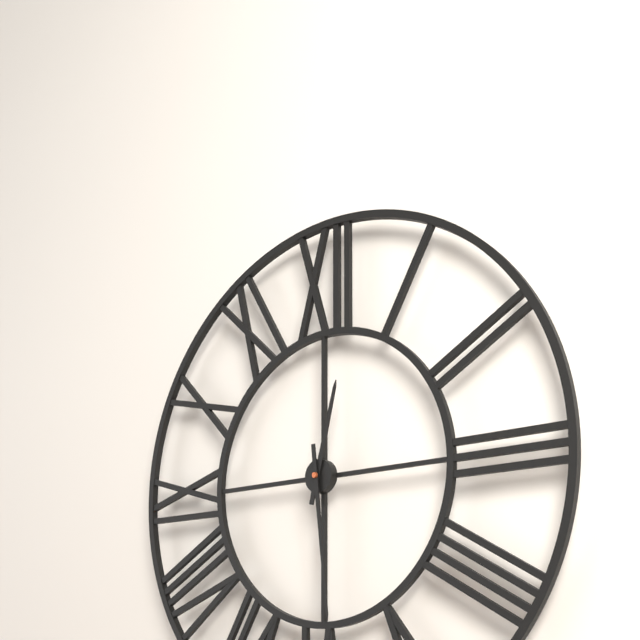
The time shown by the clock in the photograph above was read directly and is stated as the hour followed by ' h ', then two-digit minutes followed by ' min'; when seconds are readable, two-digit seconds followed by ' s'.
12 h 29 min
